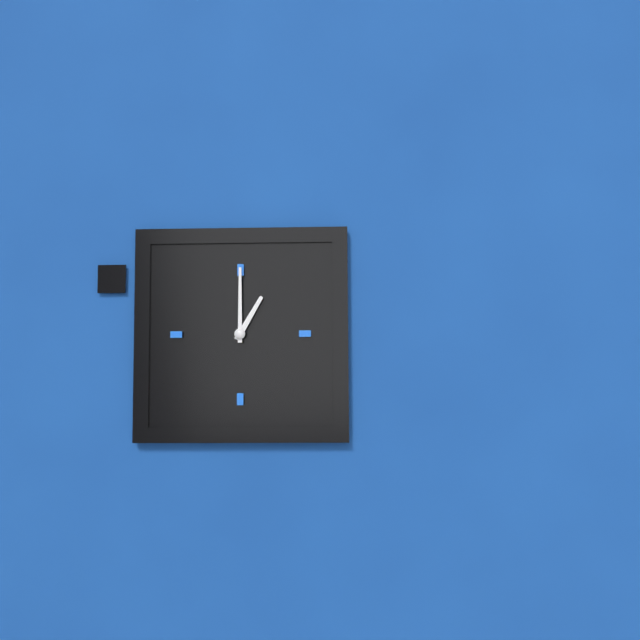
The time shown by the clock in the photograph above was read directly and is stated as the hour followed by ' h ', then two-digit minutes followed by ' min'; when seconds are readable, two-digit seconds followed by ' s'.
1 h 00 min
